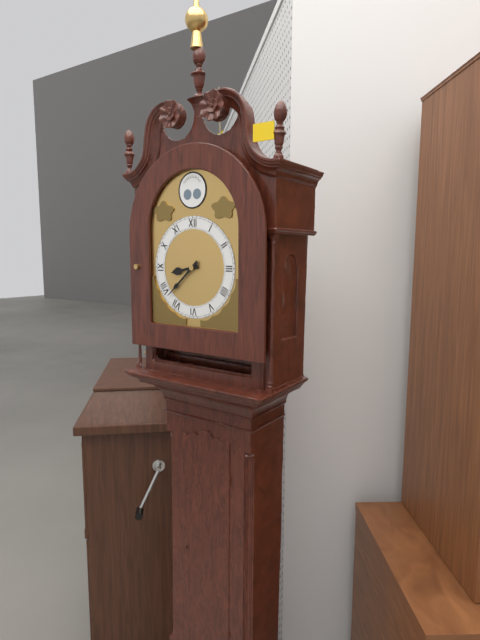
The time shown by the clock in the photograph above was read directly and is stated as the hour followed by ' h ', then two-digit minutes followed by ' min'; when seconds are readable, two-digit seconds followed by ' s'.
8 h 38 min
